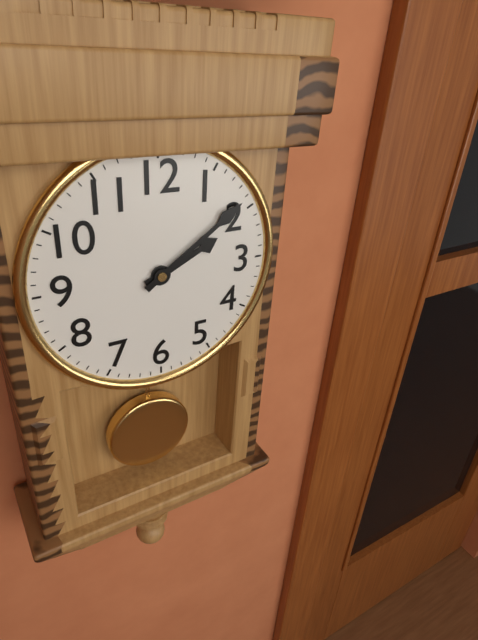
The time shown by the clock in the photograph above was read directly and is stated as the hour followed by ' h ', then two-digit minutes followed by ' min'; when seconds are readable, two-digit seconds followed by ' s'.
2 h 09 min
